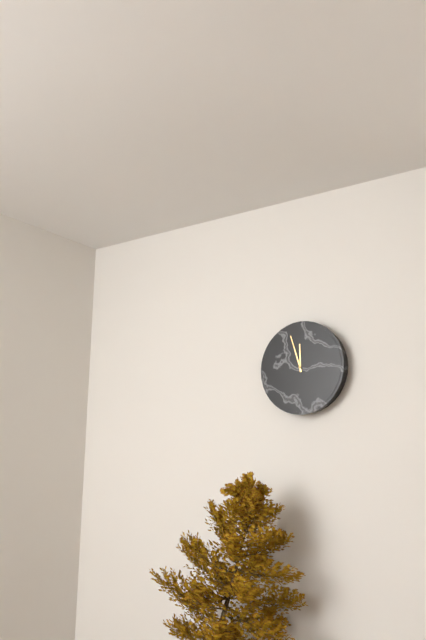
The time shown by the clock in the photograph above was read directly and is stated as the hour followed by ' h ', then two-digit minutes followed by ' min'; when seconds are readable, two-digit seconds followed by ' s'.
11 h 57 min
